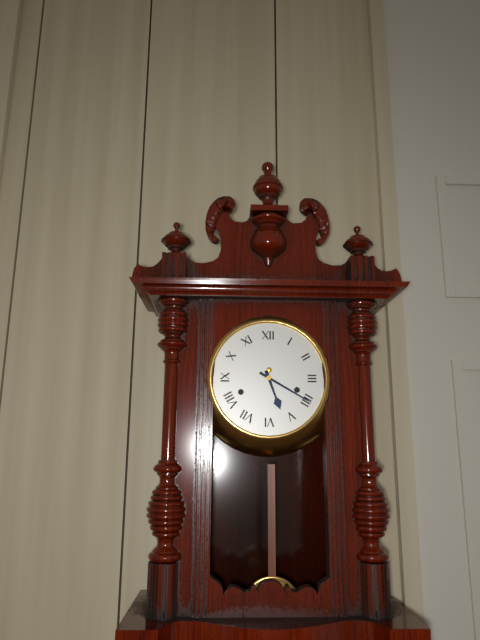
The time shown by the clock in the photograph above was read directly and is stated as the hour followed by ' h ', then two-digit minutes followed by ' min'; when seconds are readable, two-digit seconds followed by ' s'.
5 h 20 min
